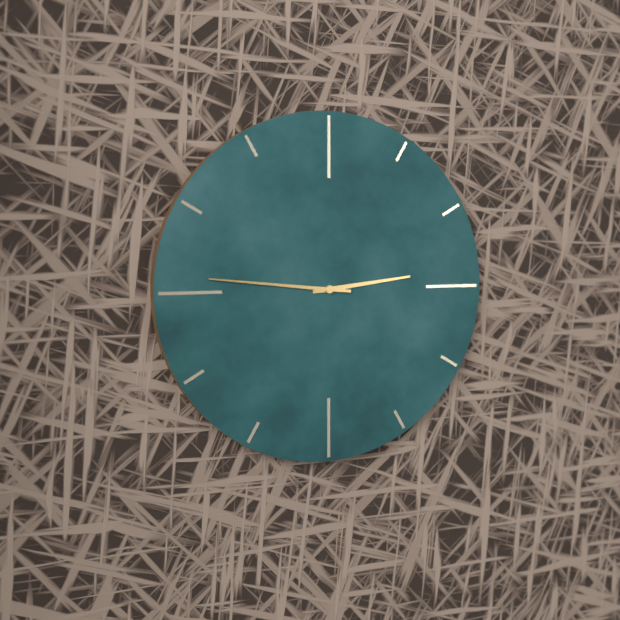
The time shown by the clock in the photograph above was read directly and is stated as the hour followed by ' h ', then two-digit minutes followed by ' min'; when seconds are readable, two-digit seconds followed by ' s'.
2 h 46 min
